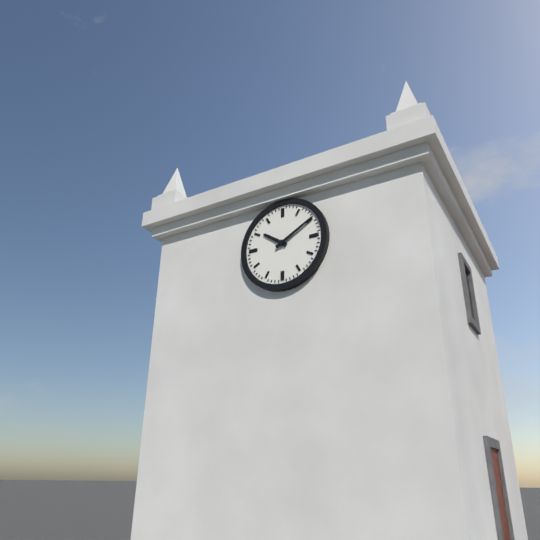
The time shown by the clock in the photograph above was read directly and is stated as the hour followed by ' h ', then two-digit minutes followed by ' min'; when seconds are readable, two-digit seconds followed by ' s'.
10 h 10 min
